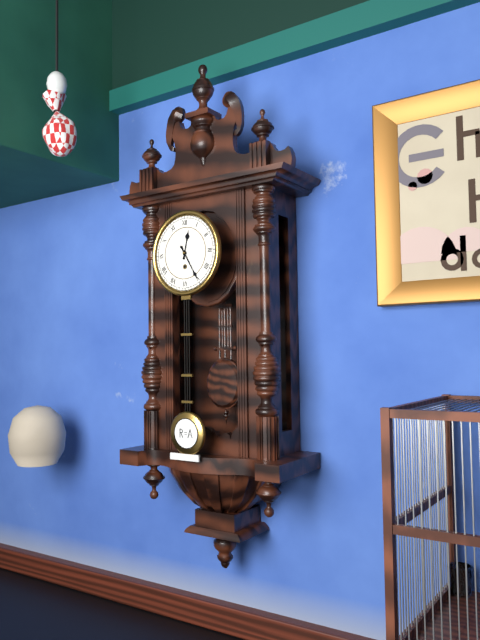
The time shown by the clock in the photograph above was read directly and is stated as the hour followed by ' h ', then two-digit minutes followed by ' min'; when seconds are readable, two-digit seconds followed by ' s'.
12 h 25 min
